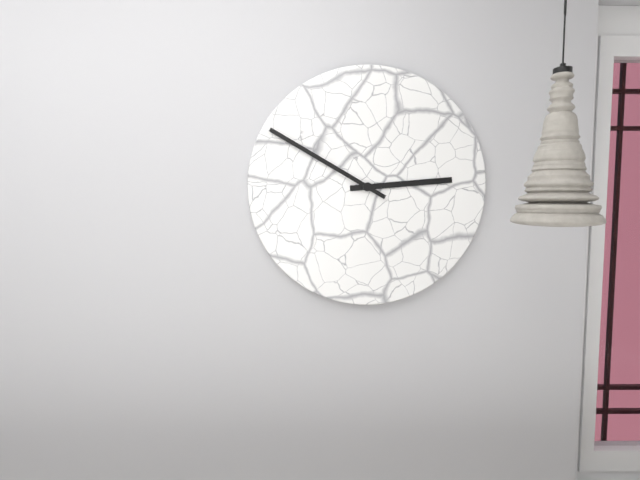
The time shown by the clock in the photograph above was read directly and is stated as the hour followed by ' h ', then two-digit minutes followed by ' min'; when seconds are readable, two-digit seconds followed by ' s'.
2 h 50 min
